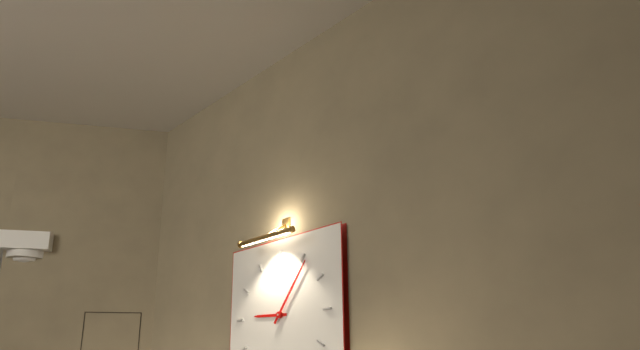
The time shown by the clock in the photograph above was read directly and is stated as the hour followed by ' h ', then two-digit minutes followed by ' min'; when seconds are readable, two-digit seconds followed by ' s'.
9 h 06 min
